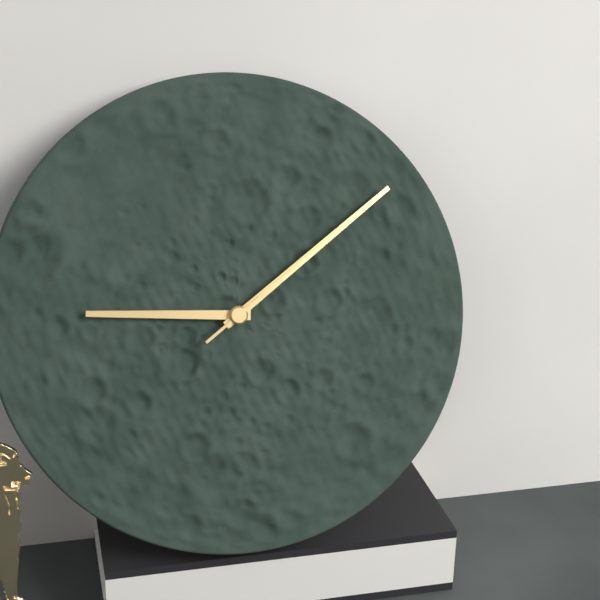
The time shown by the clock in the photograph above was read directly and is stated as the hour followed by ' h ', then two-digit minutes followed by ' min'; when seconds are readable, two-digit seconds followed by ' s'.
9 h 09 min 09 s
